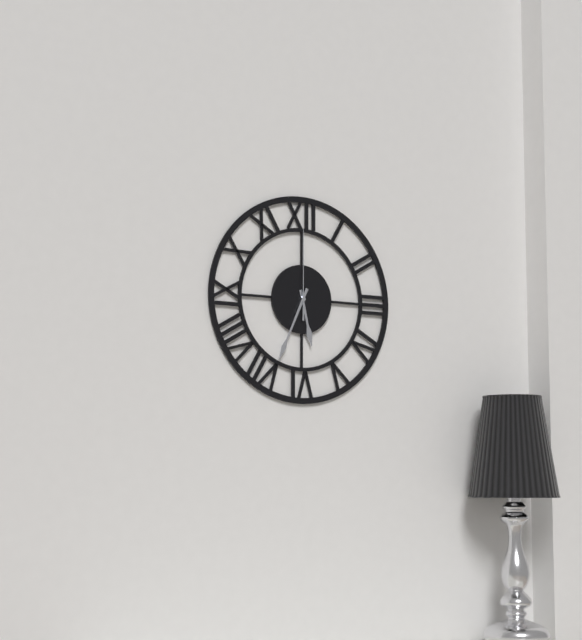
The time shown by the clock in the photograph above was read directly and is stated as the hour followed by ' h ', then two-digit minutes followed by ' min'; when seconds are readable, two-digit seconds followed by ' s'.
5 h 34 min 00 s
